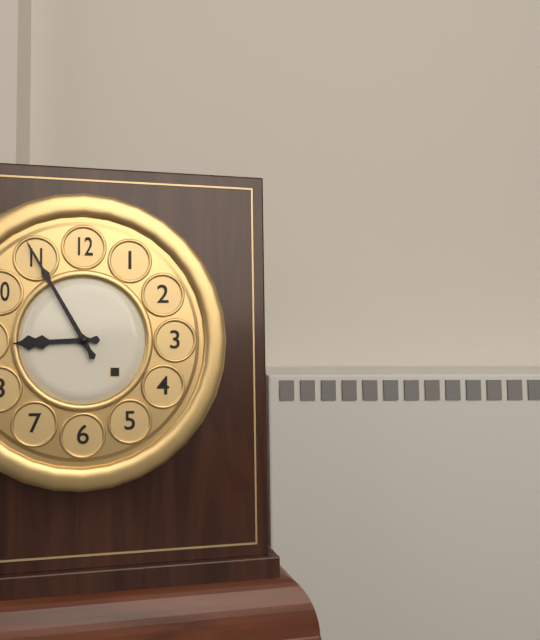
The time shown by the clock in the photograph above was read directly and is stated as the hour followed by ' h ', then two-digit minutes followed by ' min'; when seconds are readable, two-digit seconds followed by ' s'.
8 h 55 min
